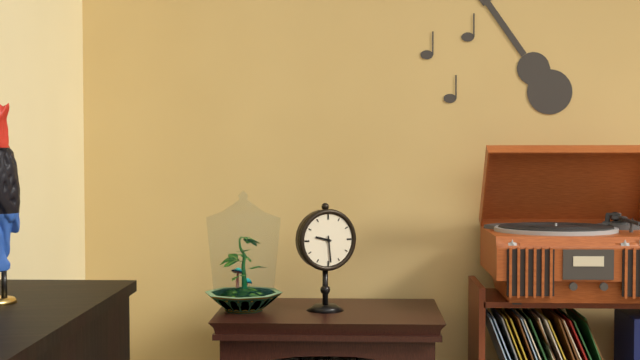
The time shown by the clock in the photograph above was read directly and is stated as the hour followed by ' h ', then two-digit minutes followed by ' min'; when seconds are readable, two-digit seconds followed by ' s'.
9 h 29 min
